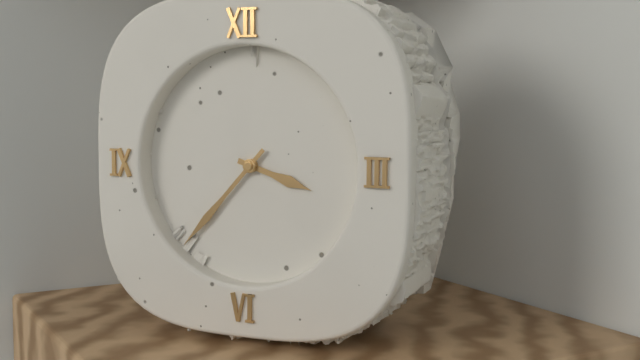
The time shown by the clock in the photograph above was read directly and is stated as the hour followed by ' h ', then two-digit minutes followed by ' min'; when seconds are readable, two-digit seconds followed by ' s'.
3 h 37 min
